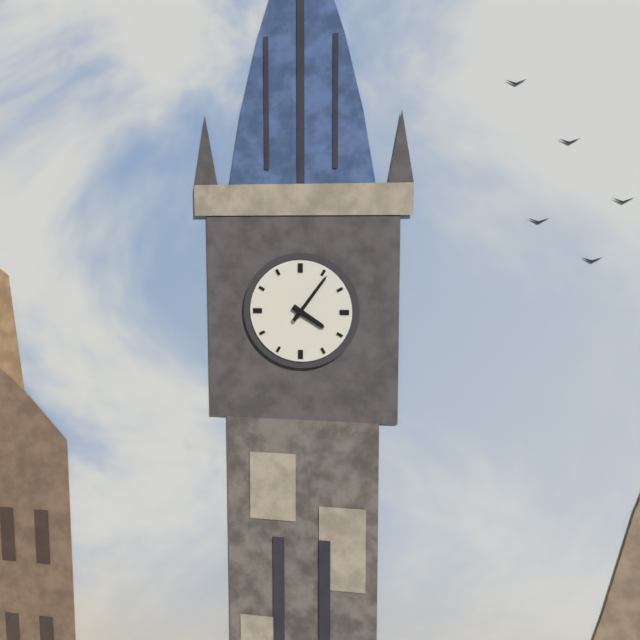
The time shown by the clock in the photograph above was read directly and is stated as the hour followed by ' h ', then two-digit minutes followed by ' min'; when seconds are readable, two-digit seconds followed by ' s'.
4 h 06 min
